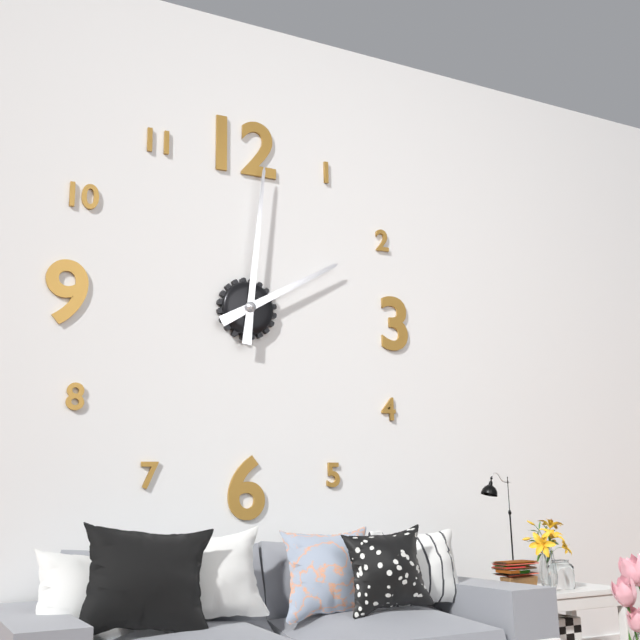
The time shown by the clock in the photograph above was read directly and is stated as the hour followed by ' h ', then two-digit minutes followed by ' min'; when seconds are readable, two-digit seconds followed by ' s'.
2 h 01 min
